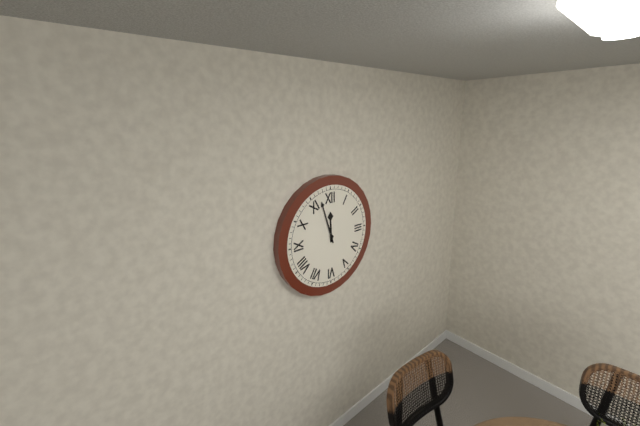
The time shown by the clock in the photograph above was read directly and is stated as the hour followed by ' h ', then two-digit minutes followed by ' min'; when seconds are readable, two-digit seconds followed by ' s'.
11 h 57 min
